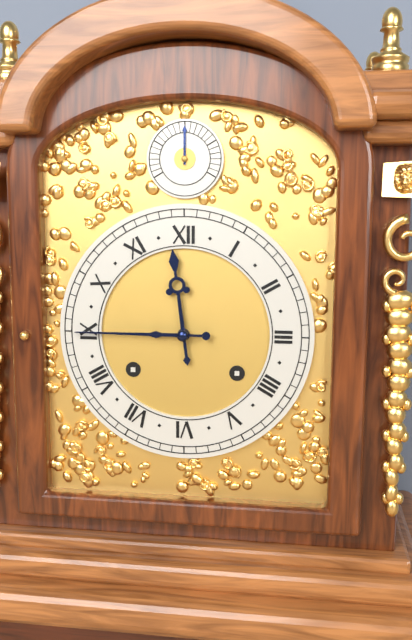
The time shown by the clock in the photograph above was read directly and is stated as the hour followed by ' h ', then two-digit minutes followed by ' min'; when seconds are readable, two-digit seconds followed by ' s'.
11 h 45 min
